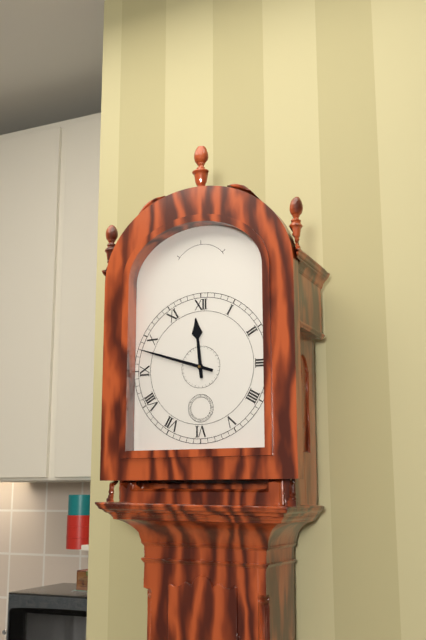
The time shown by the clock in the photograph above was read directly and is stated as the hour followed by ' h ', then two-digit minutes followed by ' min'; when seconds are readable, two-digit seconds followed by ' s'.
11 h 48 min
